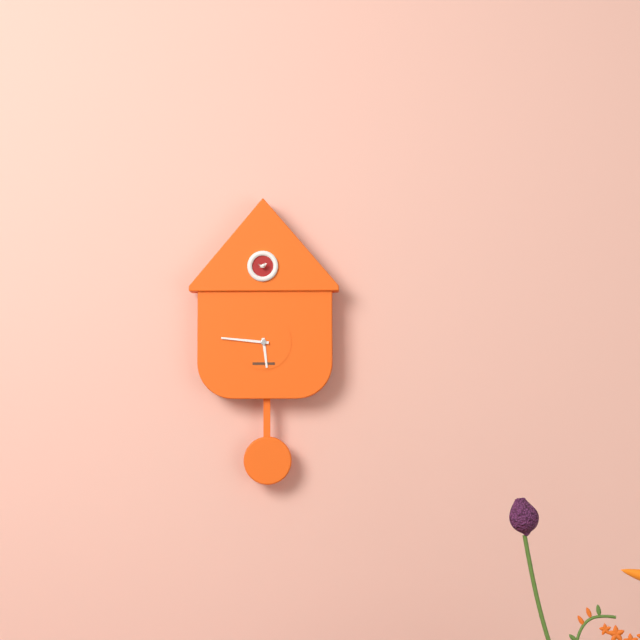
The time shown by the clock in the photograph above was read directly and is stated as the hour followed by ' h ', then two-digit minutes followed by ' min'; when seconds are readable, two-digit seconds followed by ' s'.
5 h 46 min
